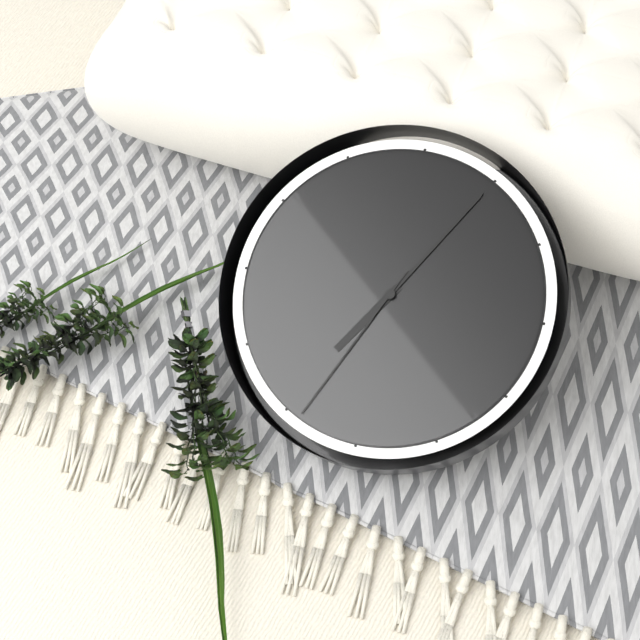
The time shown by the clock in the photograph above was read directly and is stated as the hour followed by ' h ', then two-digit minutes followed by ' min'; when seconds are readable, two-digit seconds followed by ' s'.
7 h 05 min 34 s
